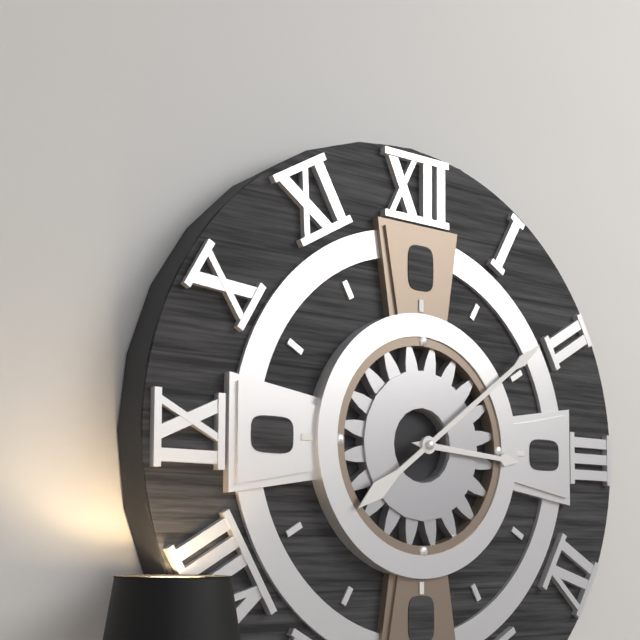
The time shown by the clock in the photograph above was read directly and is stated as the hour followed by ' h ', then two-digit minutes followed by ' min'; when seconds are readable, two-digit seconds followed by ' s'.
3 h 09 min
